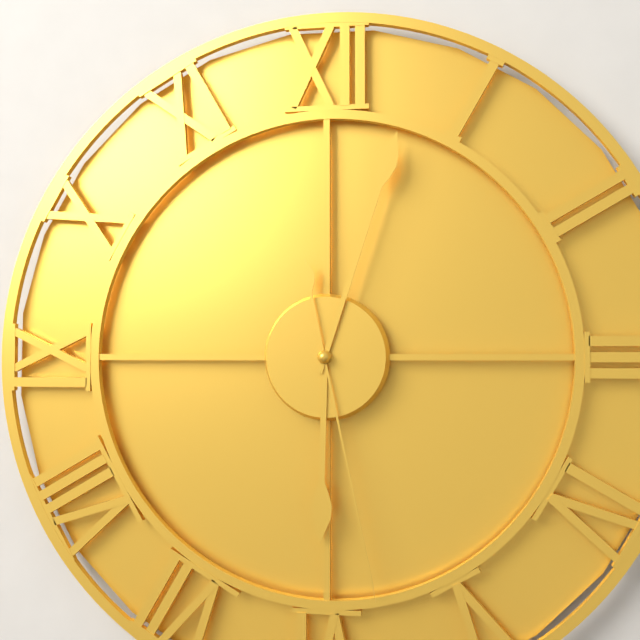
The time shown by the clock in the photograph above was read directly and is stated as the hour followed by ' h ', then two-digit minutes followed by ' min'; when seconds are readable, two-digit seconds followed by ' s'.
6 h 03 min 28 s
